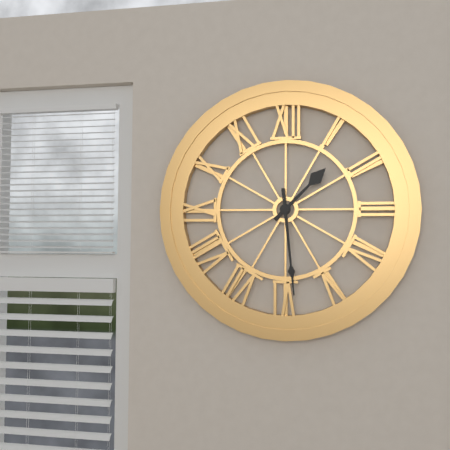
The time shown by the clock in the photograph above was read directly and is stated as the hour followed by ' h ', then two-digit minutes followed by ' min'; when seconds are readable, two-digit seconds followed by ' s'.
1 h 29 min
